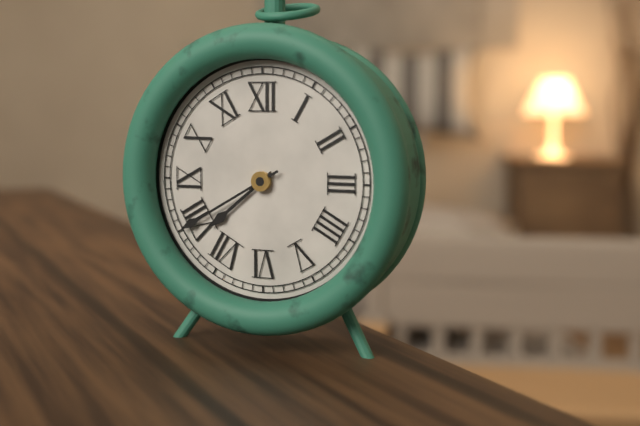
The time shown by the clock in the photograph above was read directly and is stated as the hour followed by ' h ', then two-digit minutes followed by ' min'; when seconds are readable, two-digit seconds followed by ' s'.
7 h 40 min
